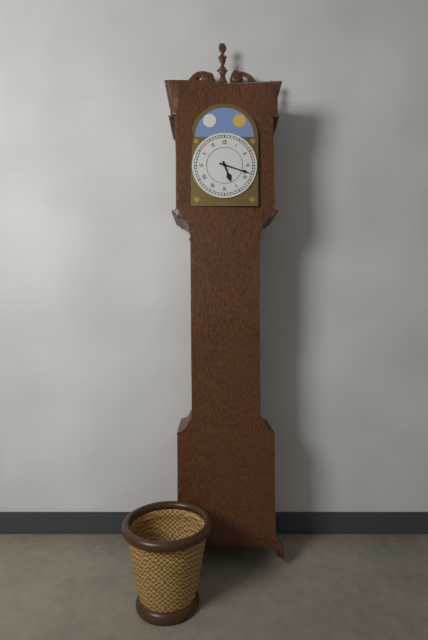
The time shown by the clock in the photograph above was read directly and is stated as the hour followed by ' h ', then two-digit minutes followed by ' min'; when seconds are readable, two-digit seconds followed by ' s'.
5 h 18 min
